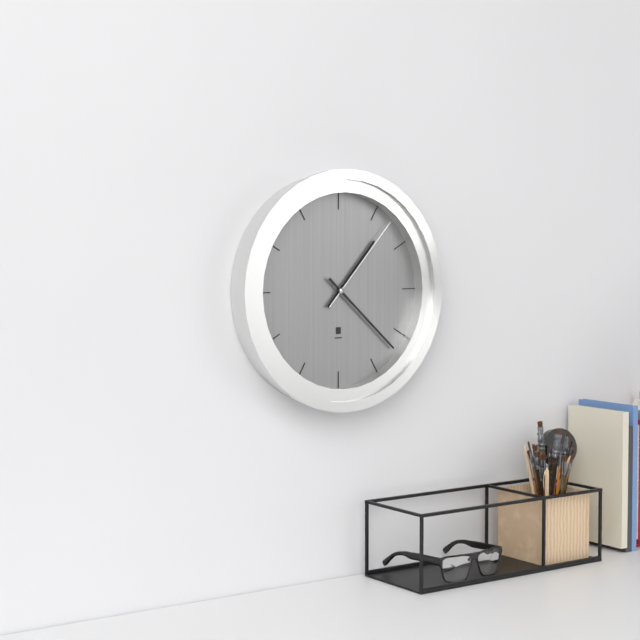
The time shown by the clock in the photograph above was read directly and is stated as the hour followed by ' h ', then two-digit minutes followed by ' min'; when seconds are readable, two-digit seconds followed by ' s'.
1 h 22 min 07 s
